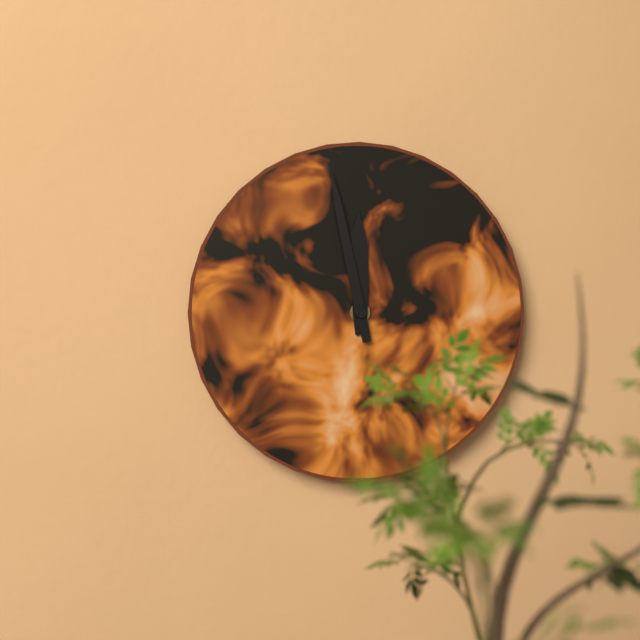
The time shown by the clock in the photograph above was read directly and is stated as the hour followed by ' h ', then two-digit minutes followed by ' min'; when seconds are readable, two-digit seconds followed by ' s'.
11 h 58 min
